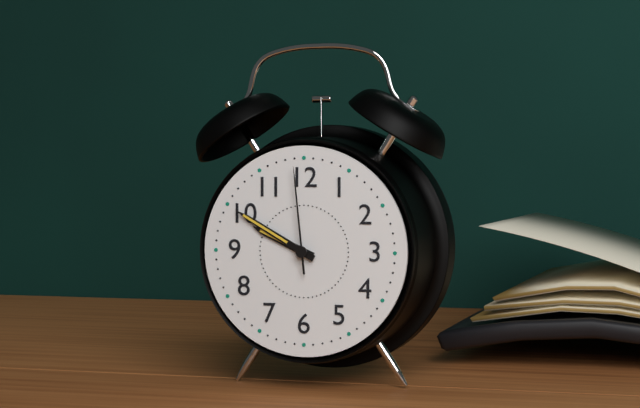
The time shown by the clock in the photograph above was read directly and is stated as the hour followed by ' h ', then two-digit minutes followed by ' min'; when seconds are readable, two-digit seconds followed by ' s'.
9 h 50 min 59 s
